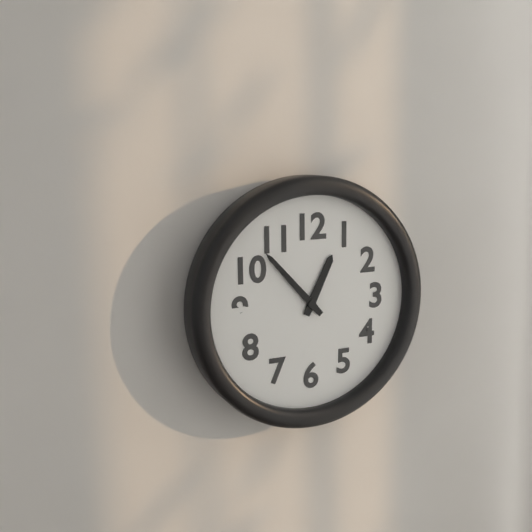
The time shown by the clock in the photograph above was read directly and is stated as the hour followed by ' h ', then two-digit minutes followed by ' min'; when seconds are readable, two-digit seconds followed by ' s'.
12 h 53 min
